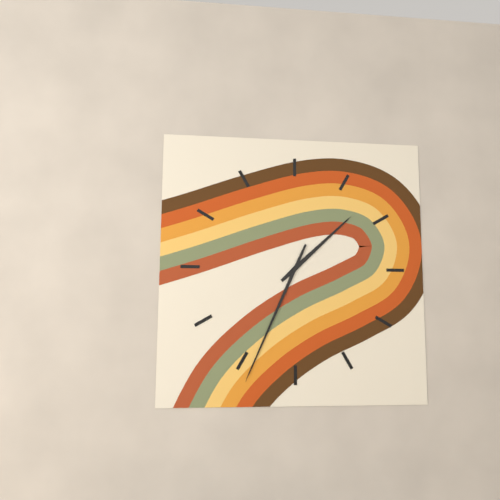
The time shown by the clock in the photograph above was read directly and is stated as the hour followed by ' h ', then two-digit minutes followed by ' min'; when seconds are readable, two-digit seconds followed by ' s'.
1 h 34 min
